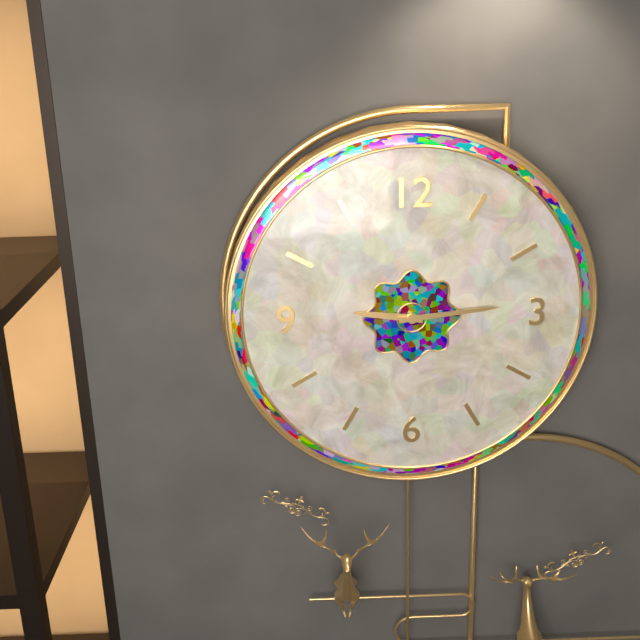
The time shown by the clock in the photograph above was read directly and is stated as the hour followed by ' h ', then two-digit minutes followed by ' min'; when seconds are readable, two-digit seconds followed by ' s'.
9 h 14 min
